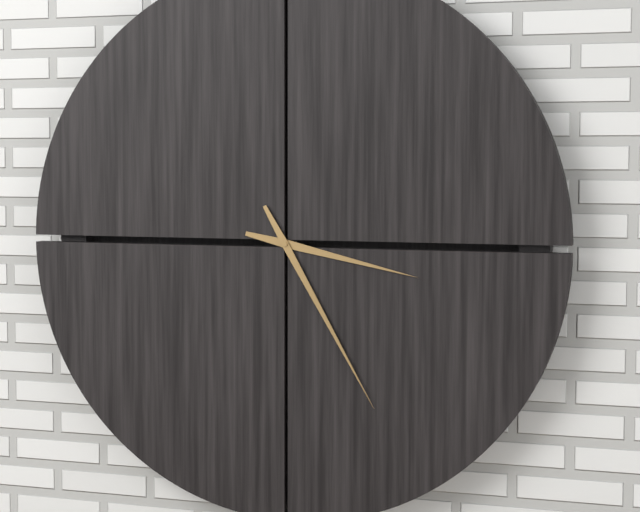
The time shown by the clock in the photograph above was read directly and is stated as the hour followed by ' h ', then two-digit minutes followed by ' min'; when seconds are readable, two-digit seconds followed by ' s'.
3 h 25 min
